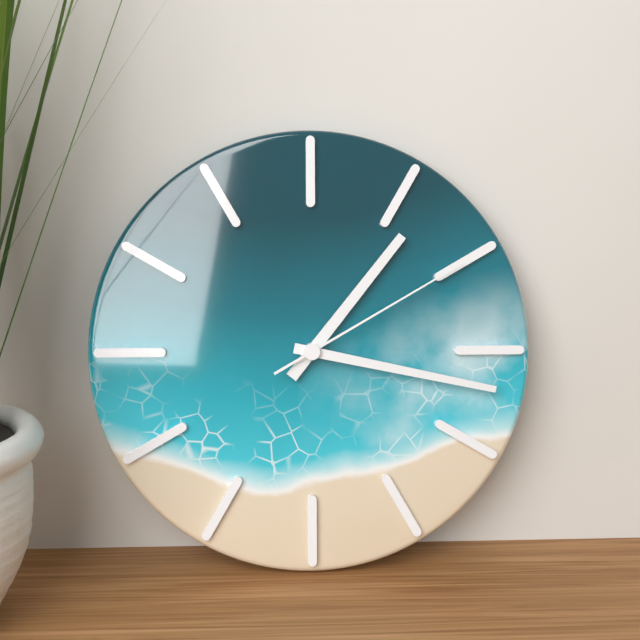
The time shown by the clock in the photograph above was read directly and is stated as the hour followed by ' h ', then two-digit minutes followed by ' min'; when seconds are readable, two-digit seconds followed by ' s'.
1 h 17 min 10 s
